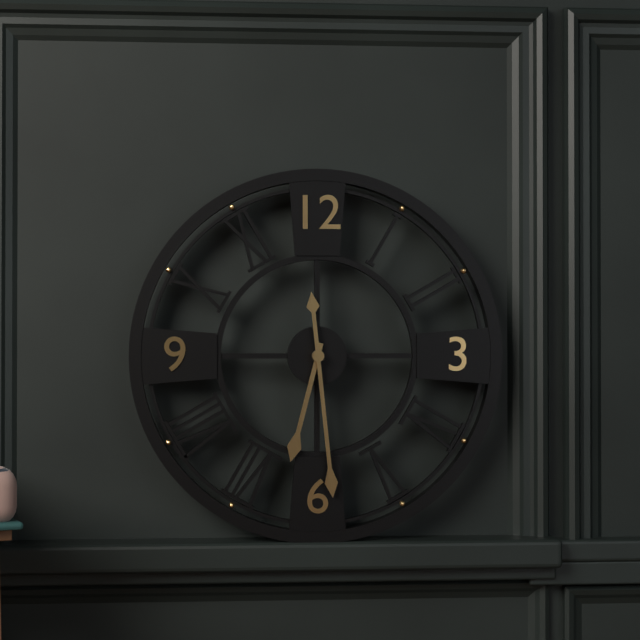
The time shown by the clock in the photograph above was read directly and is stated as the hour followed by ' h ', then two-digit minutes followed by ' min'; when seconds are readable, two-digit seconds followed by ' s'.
6 h 29 min
